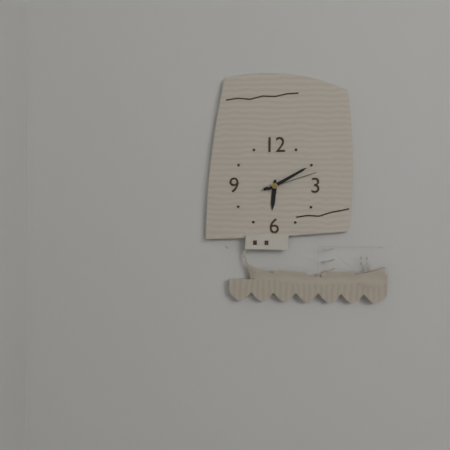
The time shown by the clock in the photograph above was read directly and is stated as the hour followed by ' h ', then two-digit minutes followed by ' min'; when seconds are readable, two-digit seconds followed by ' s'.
6 h 10 min 12 s
